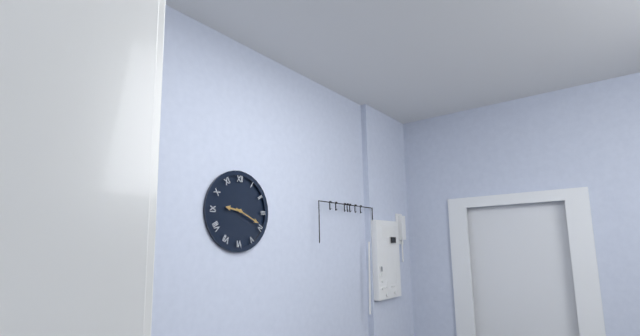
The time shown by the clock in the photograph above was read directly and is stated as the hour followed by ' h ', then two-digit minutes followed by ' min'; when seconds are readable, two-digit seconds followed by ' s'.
9 h 19 min
